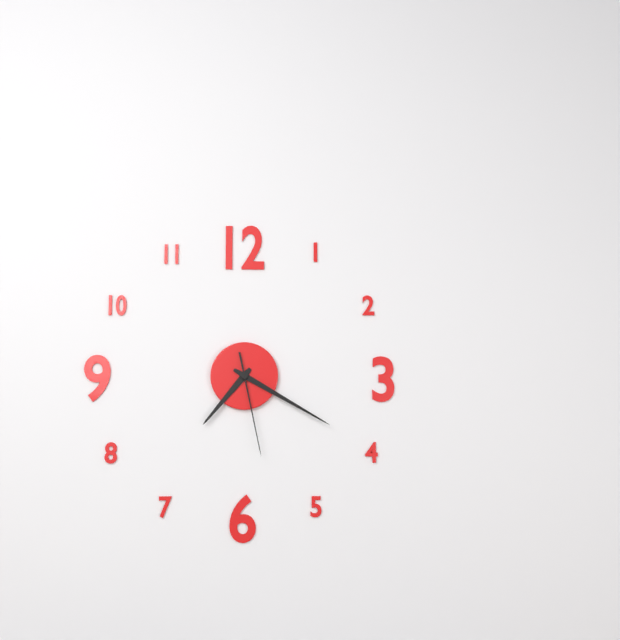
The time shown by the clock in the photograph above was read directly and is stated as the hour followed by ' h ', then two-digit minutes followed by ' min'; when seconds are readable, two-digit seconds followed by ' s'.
7 h 20 min 28 s
